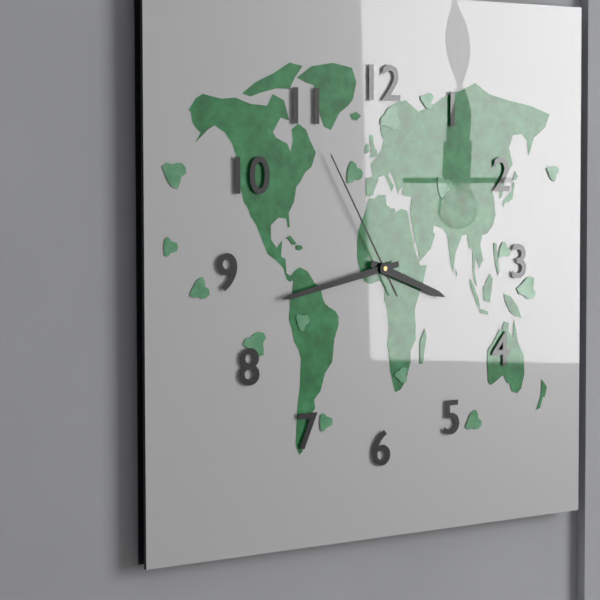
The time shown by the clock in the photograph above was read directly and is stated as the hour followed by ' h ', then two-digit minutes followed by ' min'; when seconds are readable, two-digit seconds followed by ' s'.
3 h 43 min 55 s
